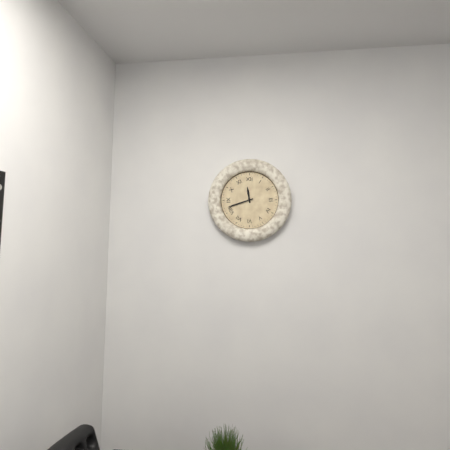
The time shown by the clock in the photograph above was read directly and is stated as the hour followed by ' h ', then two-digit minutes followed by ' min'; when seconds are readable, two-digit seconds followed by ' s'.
11 h 42 min
